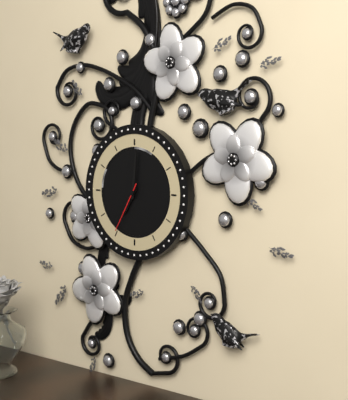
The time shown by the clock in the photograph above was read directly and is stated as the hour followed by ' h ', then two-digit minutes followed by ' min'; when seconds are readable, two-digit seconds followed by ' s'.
7 h 01 min 35 s
